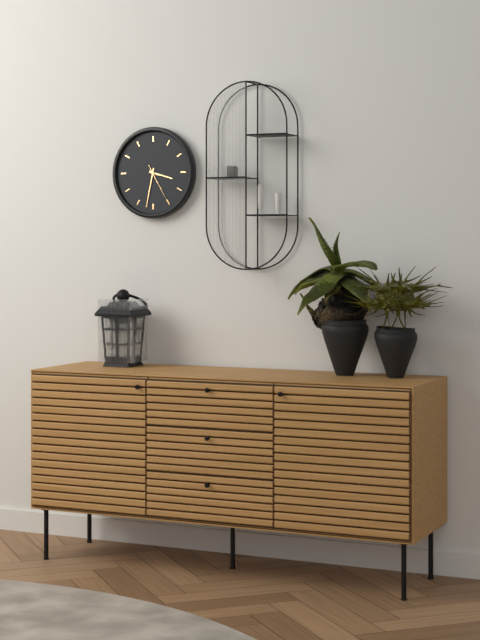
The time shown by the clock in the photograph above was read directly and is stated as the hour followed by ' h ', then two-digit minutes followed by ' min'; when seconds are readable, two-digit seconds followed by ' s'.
3 h 32 min
